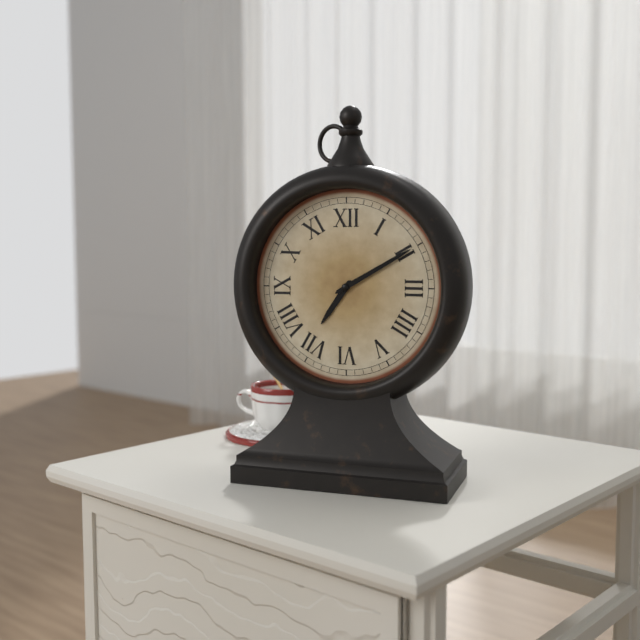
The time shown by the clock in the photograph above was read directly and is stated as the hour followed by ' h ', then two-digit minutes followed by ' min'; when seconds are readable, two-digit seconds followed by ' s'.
7 h 10 min
